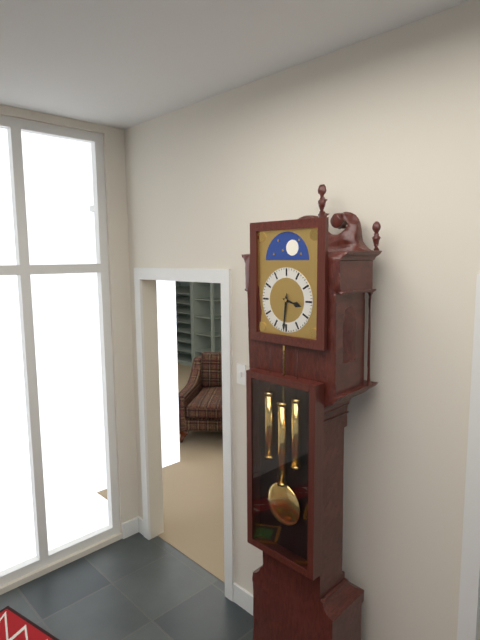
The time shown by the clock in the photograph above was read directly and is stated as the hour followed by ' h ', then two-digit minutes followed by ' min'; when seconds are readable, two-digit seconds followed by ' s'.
3 h 31 min
